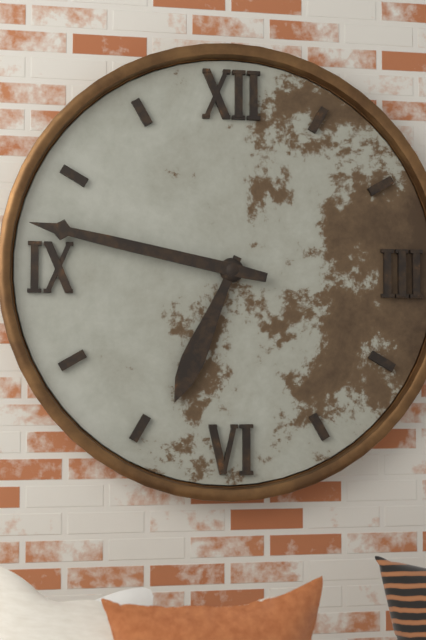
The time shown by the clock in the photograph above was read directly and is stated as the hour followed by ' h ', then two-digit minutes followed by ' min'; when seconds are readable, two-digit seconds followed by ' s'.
6 h 47 min
